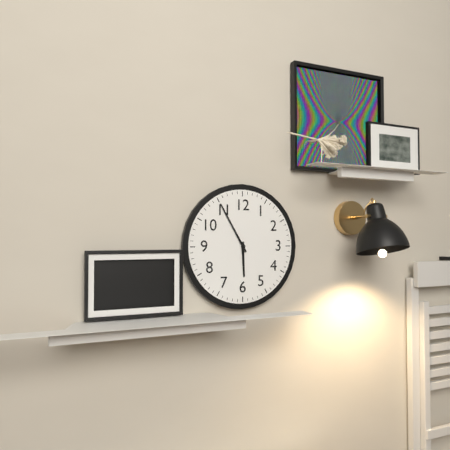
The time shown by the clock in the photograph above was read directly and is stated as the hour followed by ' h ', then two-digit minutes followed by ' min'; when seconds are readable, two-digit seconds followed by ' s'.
5 h 55 min
